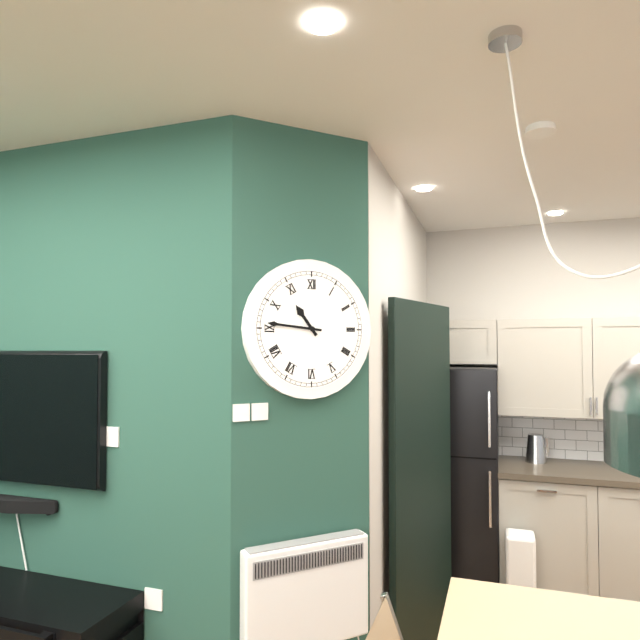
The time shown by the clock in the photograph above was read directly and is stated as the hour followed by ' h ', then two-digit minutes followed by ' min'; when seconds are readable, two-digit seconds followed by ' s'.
10 h 46 min
